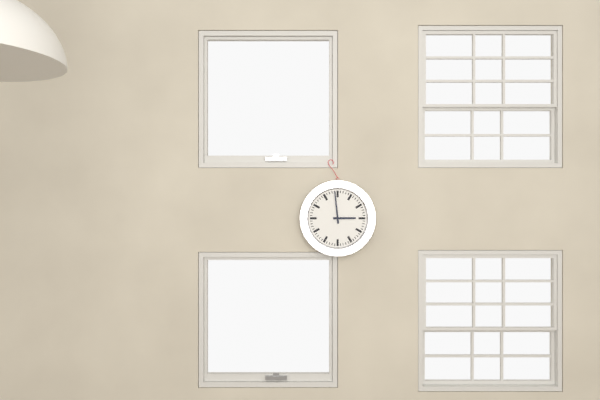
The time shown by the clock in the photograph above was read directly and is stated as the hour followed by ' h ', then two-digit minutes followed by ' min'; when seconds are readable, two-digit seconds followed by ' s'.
2 h 59 min
